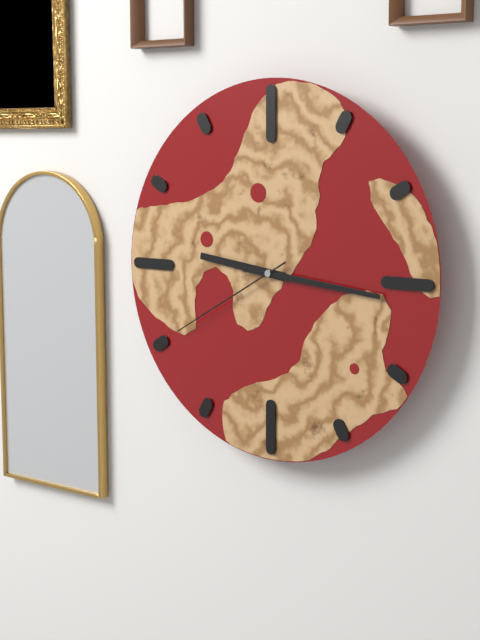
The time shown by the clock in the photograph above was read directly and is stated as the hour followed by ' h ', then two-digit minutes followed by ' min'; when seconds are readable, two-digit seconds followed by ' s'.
9 h 16 min 40 s
